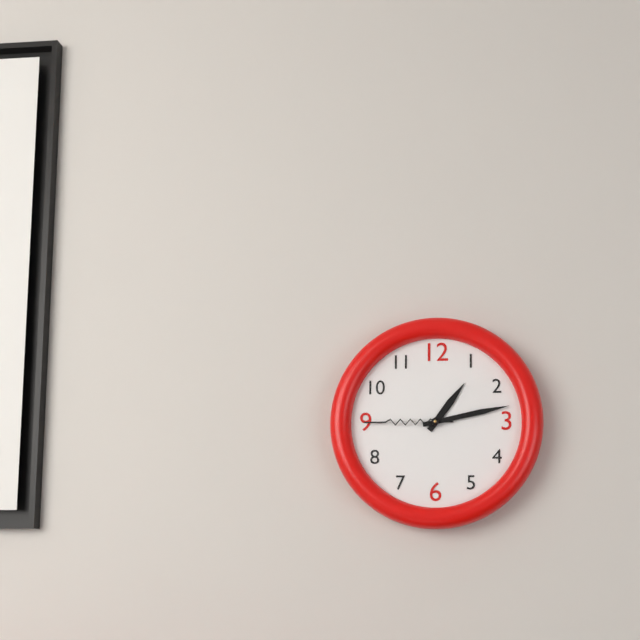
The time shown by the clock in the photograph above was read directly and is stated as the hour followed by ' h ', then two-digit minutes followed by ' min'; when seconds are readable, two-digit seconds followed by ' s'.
1 h 13 min 45 s
